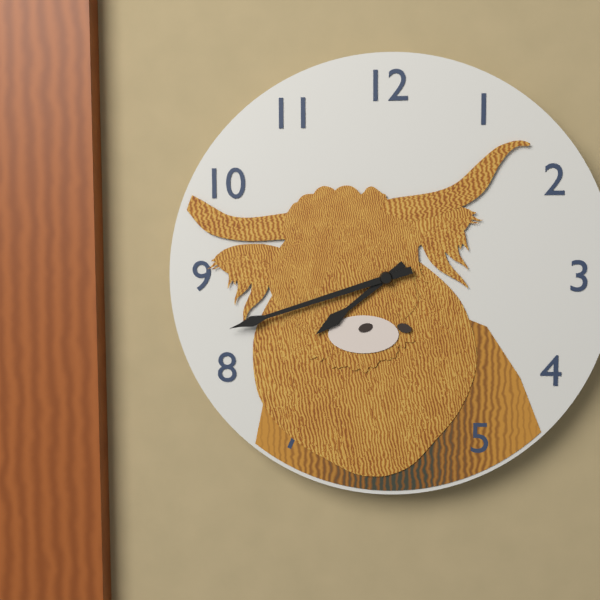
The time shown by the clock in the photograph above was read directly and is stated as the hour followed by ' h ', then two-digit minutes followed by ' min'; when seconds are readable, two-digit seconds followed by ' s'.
7 h 42 min
